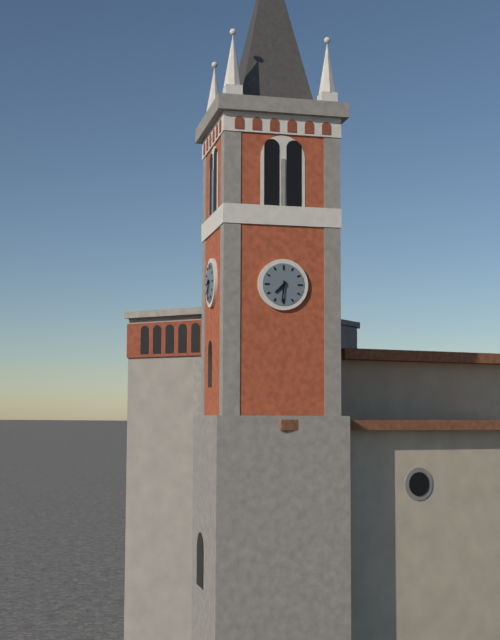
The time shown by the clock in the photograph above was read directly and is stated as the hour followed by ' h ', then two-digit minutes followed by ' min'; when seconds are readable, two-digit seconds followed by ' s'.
7 h 31 min
